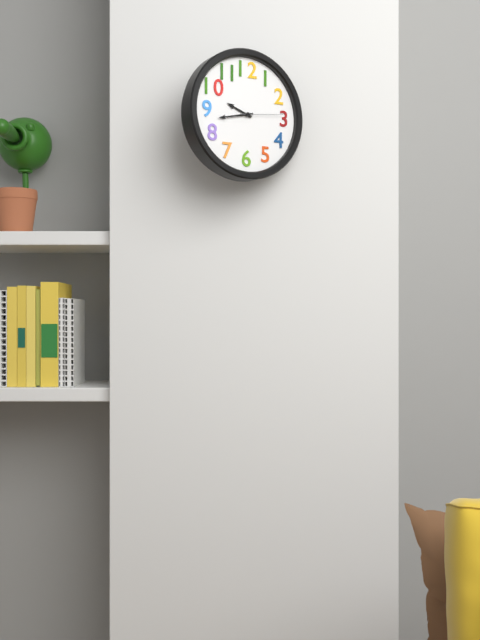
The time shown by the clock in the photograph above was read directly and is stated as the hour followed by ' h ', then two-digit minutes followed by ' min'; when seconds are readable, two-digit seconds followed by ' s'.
9 h 43 min
